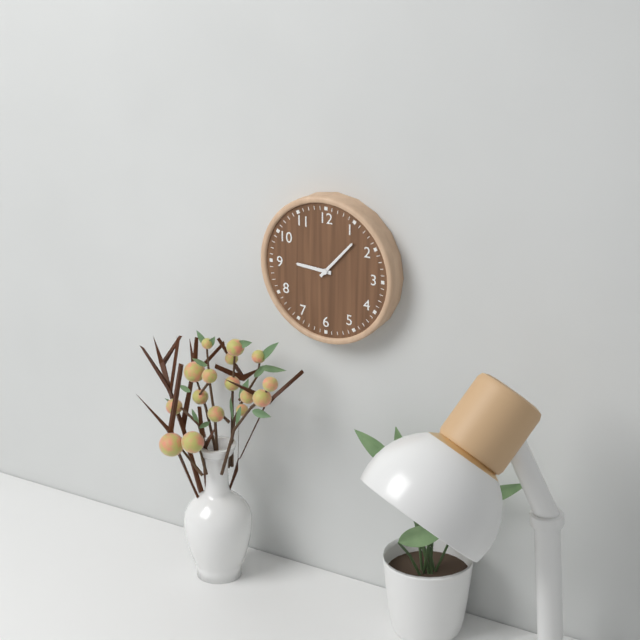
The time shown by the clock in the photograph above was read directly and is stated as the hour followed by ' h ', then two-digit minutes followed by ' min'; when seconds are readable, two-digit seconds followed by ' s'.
9 h 07 min
